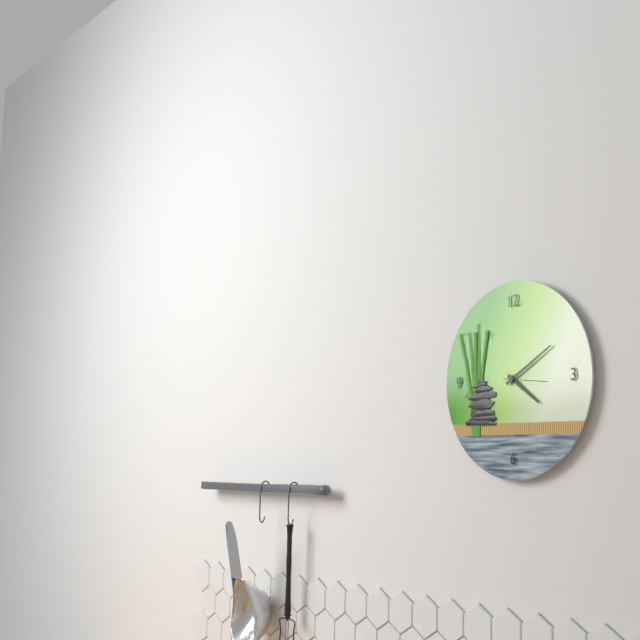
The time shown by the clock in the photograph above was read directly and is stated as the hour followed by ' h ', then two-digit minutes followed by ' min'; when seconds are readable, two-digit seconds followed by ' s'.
4 h 10 min
